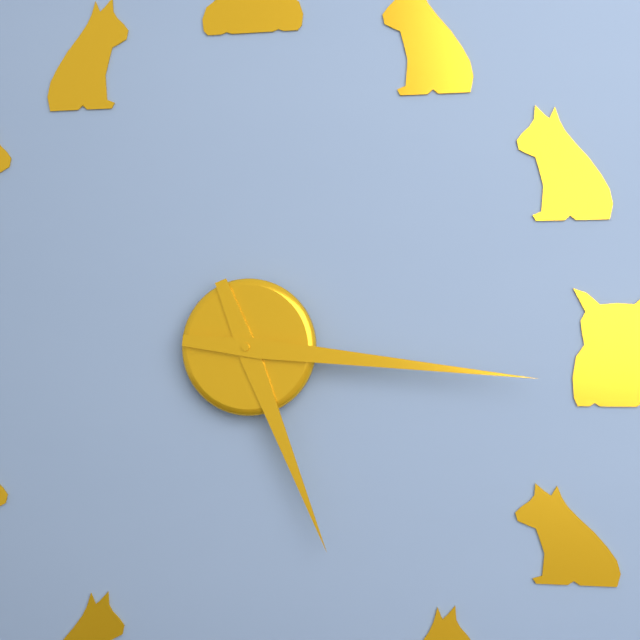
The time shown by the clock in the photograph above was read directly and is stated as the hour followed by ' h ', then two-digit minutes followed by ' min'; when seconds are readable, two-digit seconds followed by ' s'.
5 h 16 min
